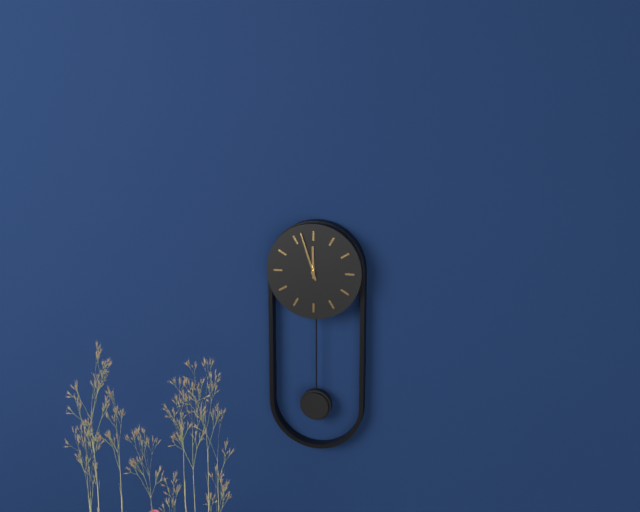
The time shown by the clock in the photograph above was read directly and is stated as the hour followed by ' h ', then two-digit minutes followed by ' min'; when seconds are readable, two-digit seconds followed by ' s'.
11 h 57 min
